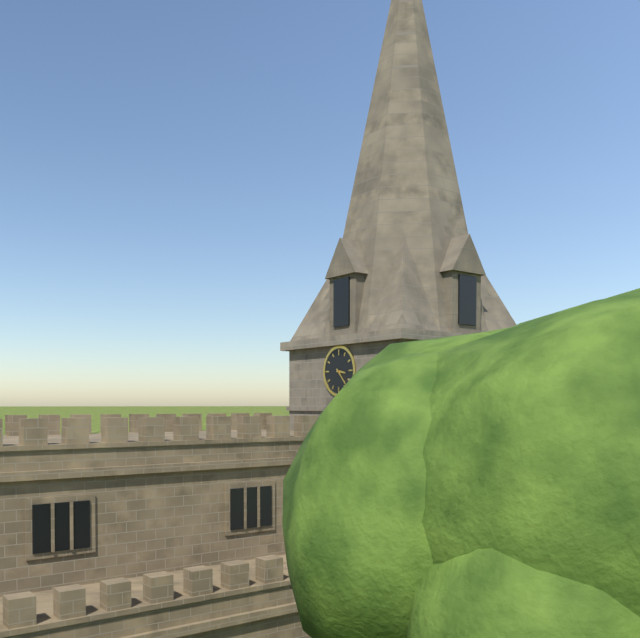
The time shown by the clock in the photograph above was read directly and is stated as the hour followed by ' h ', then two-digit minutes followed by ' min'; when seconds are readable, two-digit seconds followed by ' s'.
3 h 23 min
